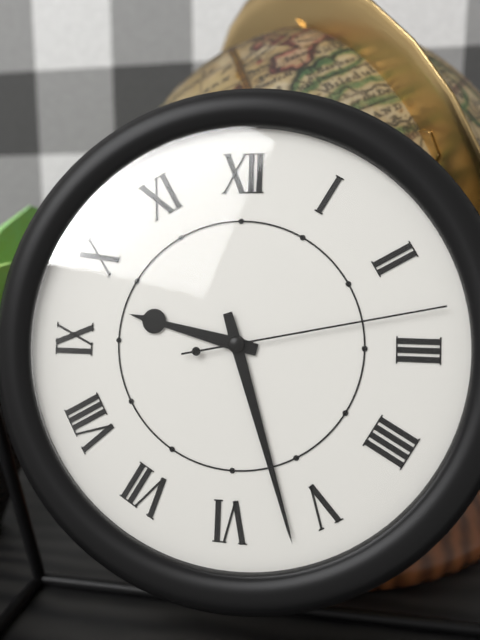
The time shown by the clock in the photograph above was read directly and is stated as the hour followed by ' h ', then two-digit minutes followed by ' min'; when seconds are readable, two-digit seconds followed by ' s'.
9 h 27 min 13 s
